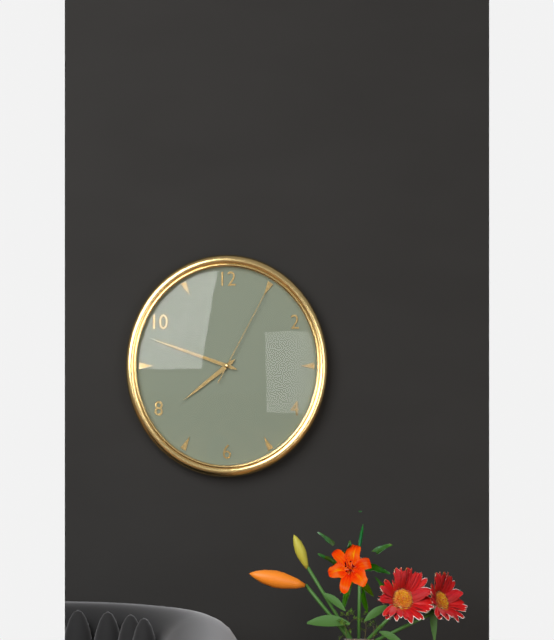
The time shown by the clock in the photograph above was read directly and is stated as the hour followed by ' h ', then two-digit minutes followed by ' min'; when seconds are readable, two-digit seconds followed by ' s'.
7 h 48 min 05 s
